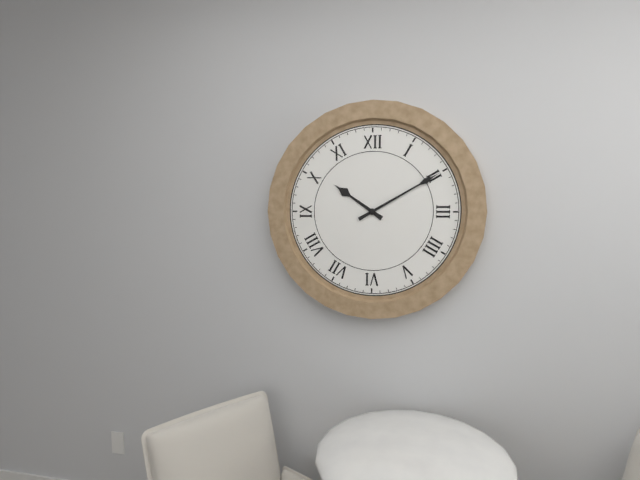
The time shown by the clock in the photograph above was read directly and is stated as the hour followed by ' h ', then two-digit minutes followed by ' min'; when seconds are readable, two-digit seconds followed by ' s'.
10 h 10 min
